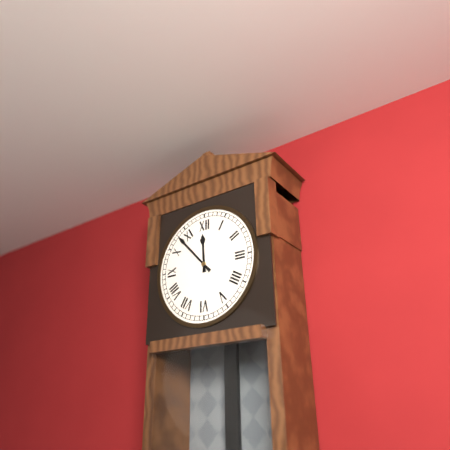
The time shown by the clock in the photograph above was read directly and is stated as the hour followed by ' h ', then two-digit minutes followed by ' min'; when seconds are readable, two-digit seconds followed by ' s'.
11 h 53 min
